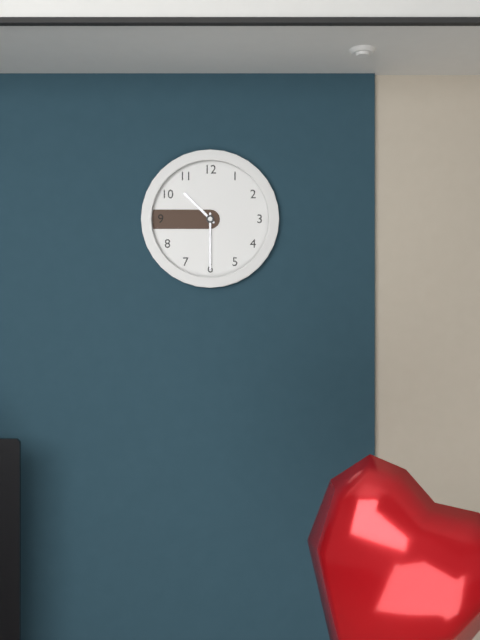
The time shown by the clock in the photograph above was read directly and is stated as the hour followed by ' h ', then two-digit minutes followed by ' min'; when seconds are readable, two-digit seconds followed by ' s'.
10 h 30 min
